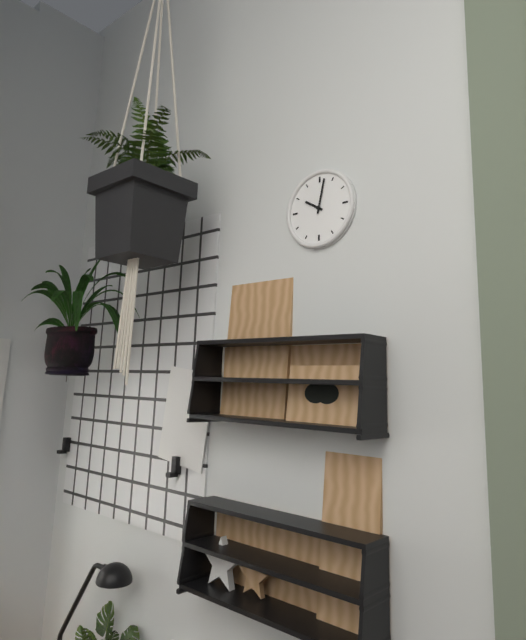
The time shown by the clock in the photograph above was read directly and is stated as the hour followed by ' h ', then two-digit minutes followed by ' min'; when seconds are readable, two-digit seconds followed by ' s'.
10 h 02 min
